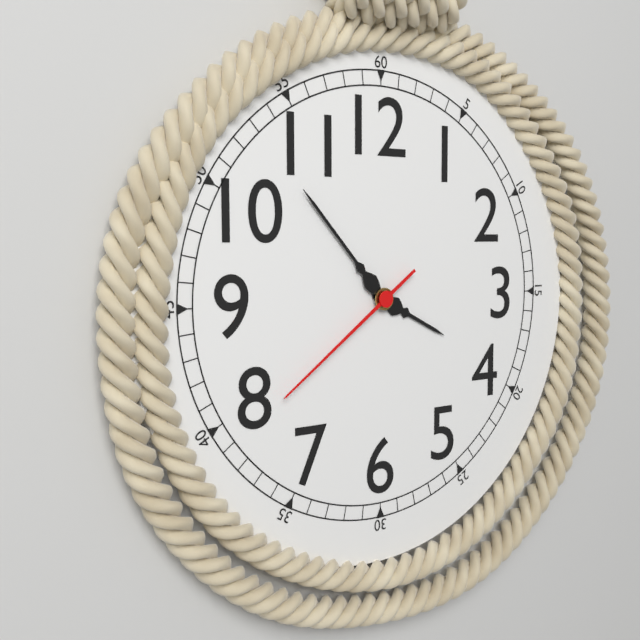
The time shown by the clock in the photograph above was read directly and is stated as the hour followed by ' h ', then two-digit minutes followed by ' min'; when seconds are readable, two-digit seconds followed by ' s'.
3 h 53 min 39 s
